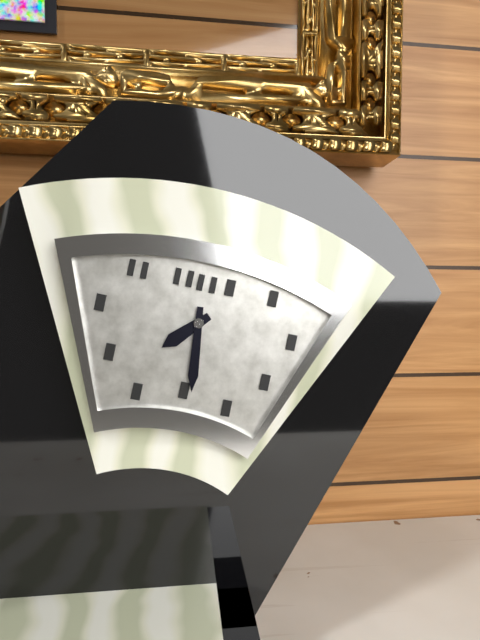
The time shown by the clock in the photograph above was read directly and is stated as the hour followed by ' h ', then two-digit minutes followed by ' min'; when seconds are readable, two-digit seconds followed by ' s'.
7 h 29 min
